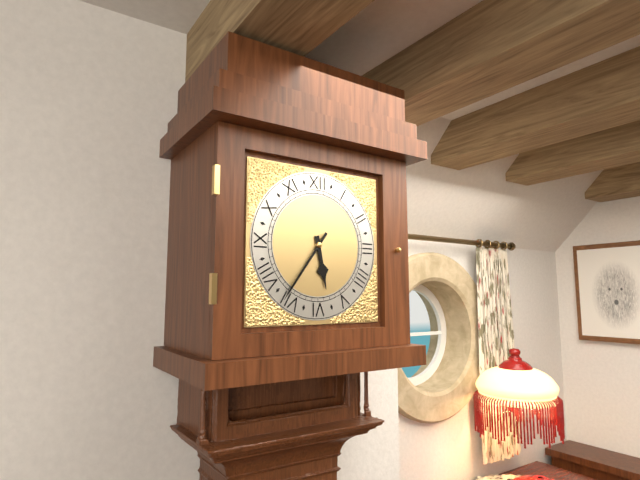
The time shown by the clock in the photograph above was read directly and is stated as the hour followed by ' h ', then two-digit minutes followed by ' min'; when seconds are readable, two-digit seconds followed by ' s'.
5 h 36 min
